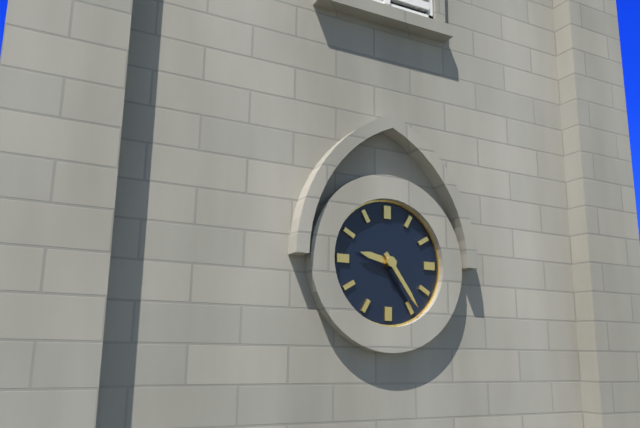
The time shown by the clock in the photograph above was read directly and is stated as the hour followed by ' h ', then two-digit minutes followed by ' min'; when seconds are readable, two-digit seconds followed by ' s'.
9 h 24 min
